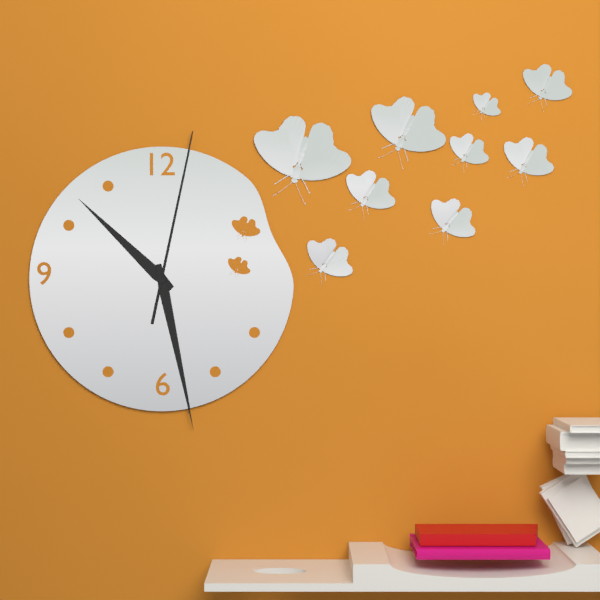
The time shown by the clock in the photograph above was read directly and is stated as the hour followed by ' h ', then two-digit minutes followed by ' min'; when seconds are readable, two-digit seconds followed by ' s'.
10 h 28 min 02 s
